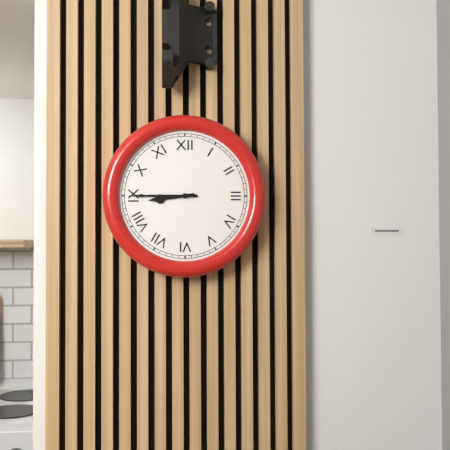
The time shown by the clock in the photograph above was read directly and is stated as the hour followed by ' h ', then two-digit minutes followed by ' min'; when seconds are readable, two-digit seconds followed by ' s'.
8 h 45 min
